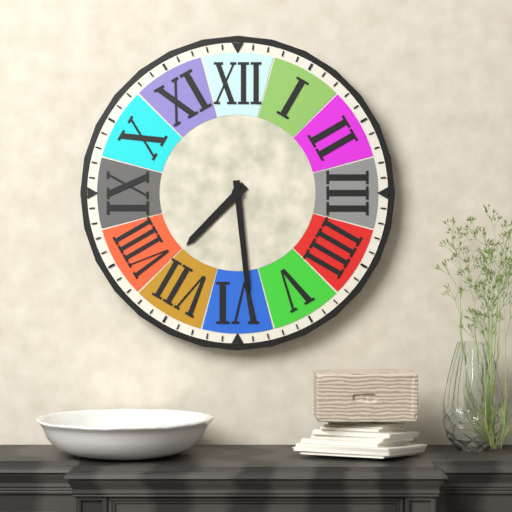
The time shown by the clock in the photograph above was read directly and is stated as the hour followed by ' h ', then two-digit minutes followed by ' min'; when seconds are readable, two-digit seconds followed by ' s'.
7 h 29 min
